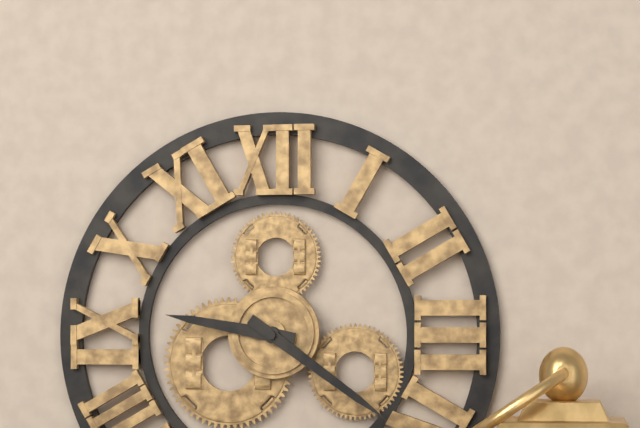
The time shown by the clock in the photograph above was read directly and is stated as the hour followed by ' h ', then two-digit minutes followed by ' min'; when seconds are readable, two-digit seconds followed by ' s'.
9 h 21 min
